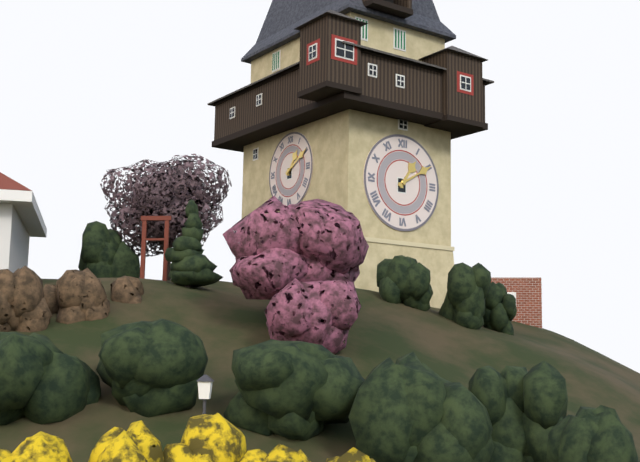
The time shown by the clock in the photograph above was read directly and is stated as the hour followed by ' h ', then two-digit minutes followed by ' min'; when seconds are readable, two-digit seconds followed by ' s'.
1 h 10 min
